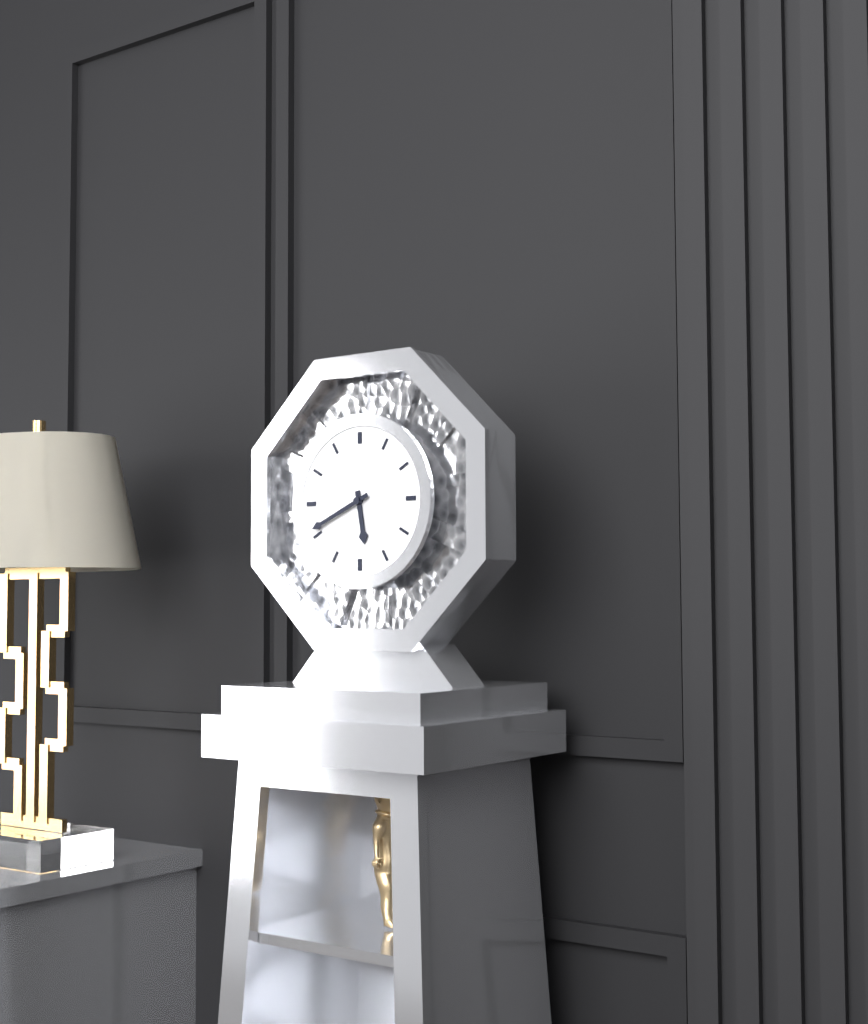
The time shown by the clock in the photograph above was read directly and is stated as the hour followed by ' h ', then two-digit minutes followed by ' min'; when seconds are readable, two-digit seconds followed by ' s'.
5 h 41 min
